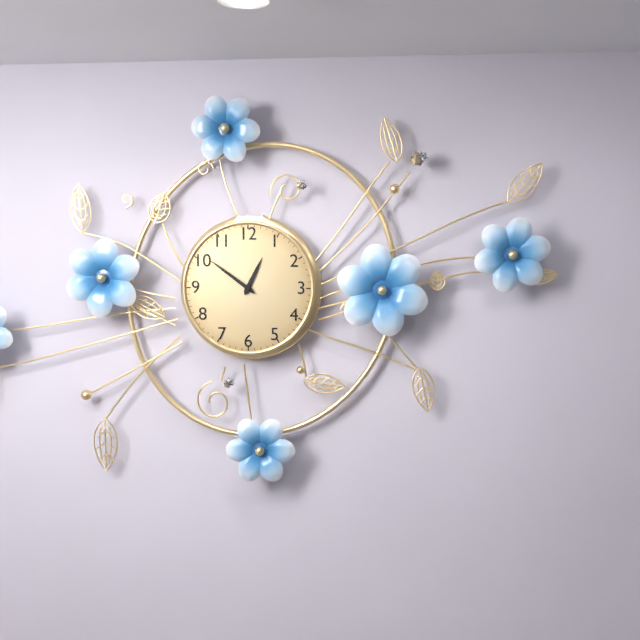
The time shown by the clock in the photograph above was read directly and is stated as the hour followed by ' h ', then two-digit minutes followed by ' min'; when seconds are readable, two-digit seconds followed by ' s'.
12 h 51 min
